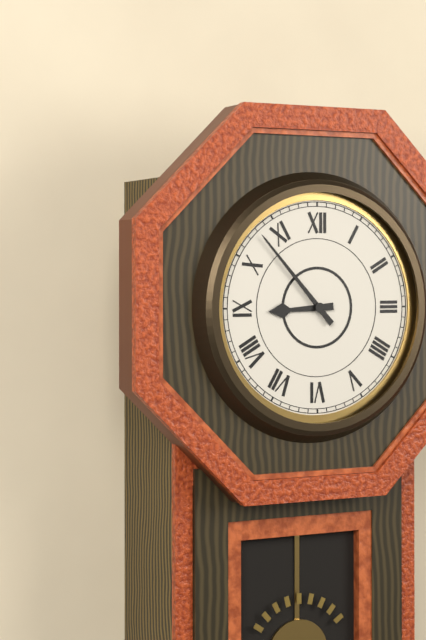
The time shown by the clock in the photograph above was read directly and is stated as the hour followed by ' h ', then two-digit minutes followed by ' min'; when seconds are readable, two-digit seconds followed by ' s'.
8 h 53 min
